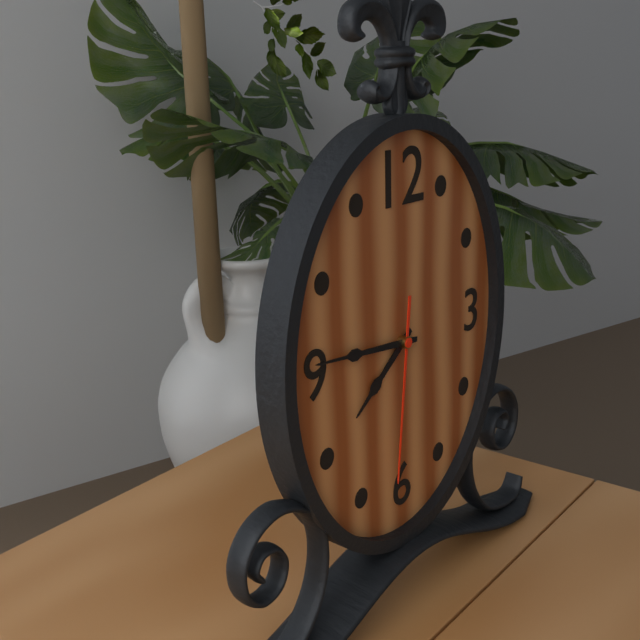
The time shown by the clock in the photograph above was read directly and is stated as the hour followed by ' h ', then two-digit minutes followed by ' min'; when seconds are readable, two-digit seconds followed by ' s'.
7 h 46 min 31 s
